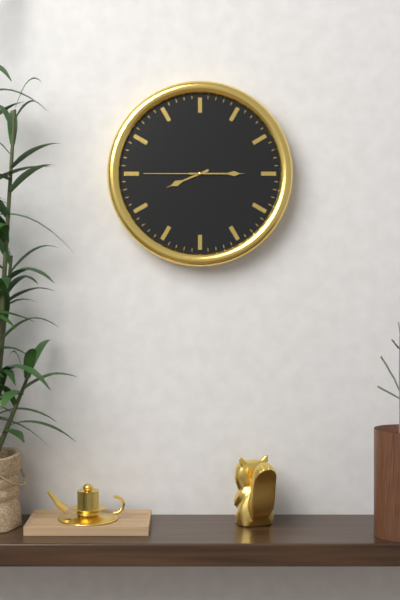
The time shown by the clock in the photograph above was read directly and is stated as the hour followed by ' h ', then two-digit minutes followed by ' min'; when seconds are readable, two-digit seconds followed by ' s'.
8 h 15 min 45 s
